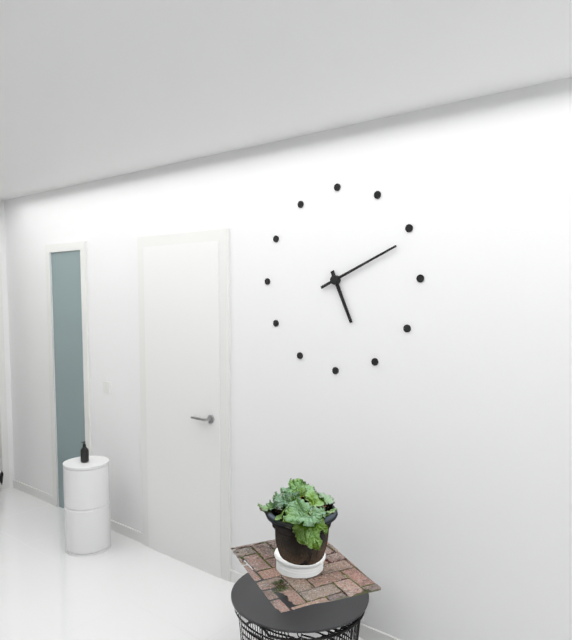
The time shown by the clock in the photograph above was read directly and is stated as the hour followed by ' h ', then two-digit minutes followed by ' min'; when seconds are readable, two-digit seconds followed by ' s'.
5 h 11 min
